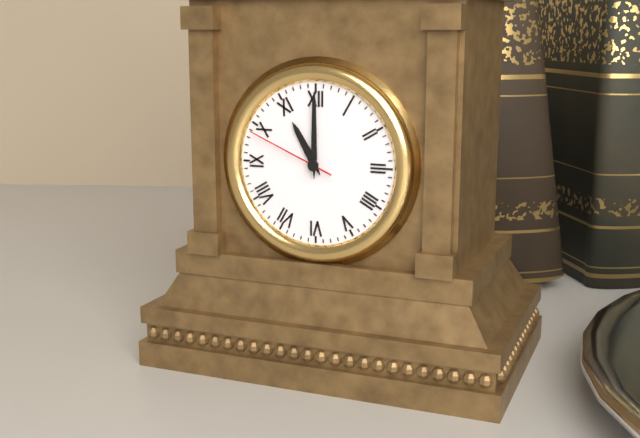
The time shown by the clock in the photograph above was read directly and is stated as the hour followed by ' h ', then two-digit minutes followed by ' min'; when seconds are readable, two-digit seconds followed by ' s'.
11 h 00 min 49 s
